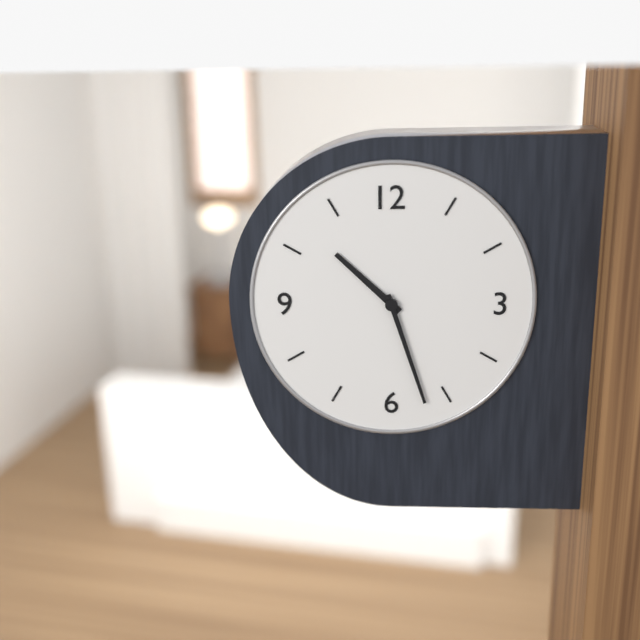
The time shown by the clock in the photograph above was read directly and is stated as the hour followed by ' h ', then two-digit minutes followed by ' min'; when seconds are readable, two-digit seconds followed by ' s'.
10 h 27 min
